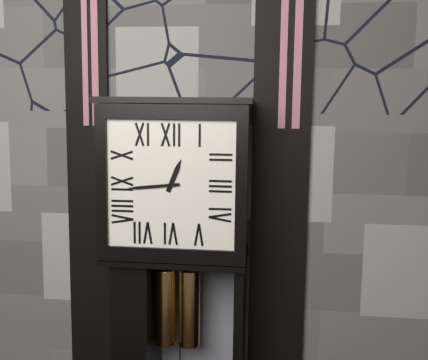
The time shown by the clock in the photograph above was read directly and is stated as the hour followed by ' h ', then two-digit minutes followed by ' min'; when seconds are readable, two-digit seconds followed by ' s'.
12 h 44 min
